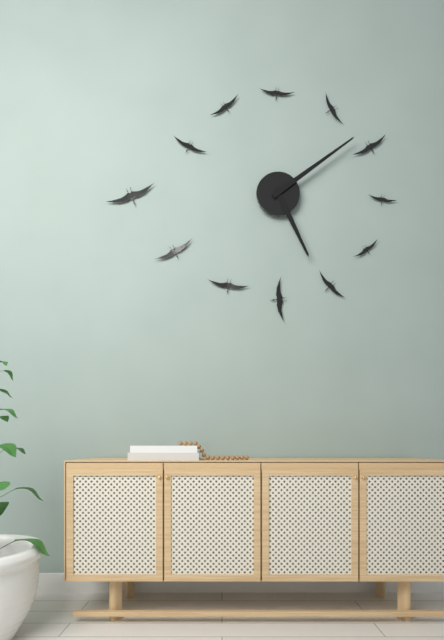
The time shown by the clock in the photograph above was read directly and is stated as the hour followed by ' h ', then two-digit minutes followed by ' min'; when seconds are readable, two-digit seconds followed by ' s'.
5 h 09 min
